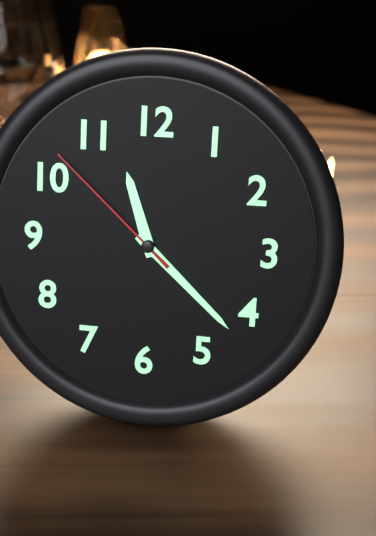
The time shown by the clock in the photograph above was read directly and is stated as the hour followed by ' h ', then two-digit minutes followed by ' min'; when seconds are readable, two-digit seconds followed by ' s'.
11 h 22 min 52 s
